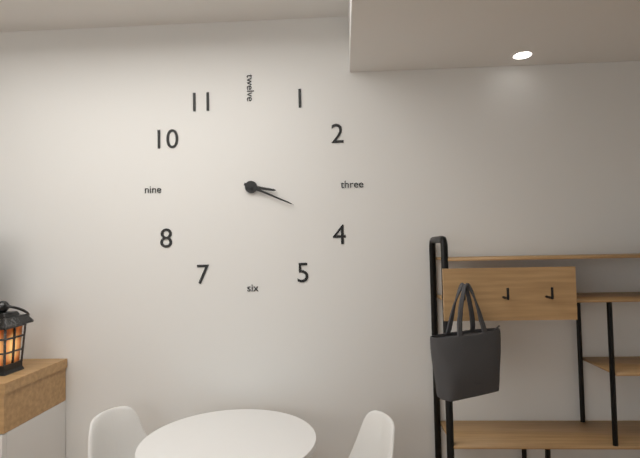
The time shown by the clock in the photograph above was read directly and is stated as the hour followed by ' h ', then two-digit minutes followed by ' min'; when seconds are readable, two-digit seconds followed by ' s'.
3 h 19 min
